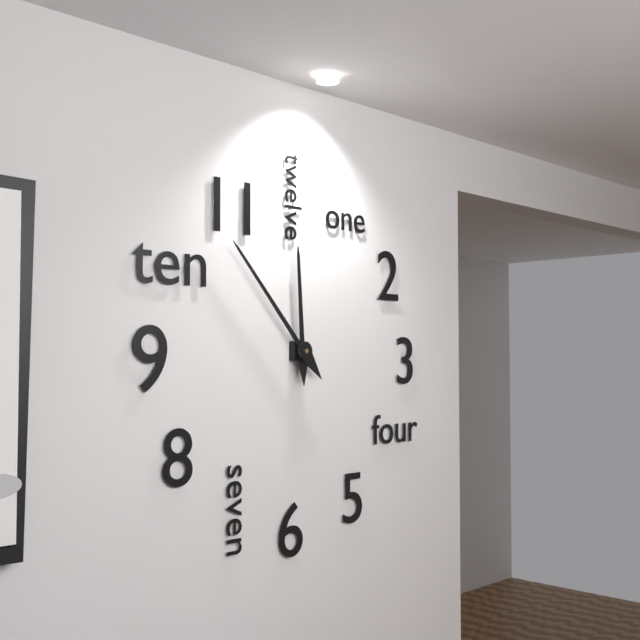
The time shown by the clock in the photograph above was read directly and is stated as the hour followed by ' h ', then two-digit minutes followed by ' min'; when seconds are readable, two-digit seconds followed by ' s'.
11 h 53 min
